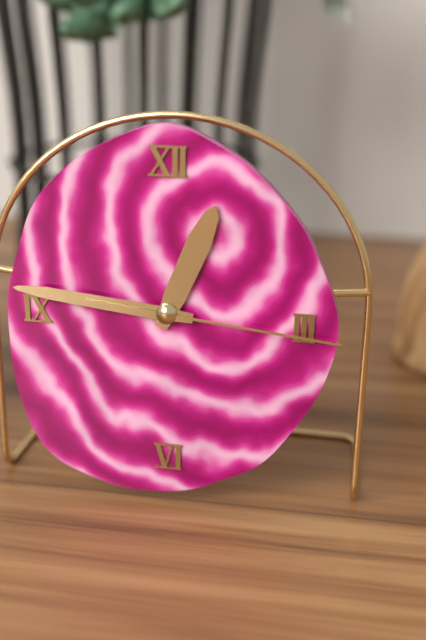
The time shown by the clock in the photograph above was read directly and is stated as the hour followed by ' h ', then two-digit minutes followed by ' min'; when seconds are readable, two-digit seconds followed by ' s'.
12 h 46 min 16 s
